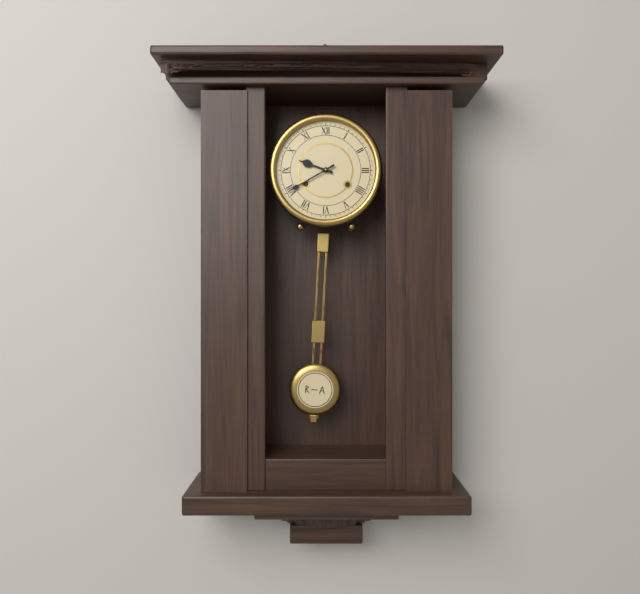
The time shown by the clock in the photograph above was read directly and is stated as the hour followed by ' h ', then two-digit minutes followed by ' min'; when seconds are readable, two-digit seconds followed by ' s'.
9 h 40 min
